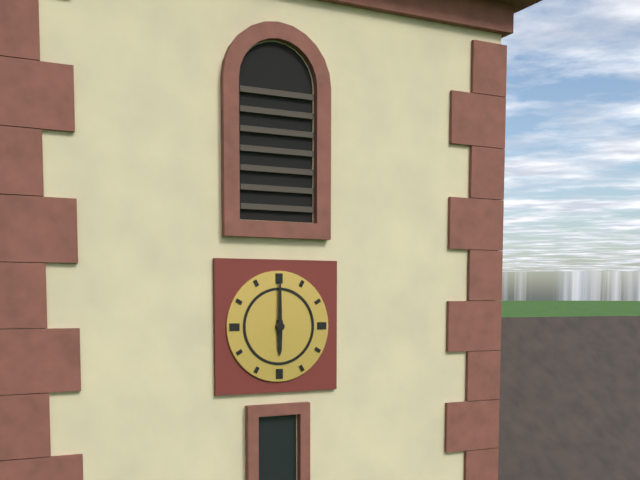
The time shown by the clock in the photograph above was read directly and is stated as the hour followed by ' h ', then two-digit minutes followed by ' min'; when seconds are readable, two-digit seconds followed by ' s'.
6 h 00 min
